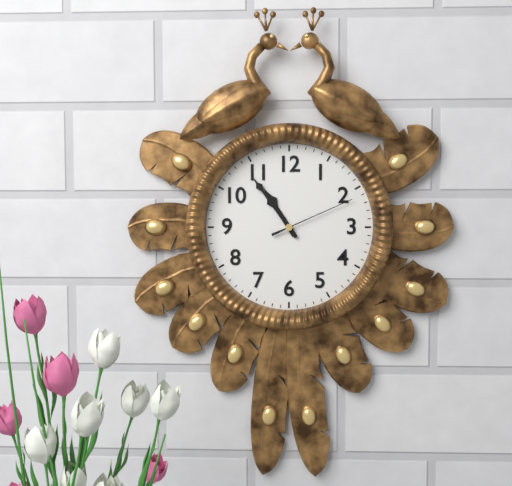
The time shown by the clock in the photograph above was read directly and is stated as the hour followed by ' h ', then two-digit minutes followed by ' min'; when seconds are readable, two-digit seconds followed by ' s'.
10 h 54 min 11 s
